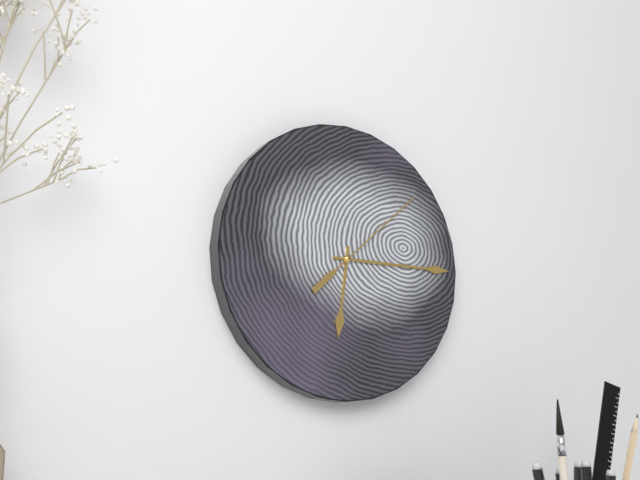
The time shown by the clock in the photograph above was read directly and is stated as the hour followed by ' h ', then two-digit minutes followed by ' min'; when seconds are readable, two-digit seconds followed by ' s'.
6 h 15 min 08 s
